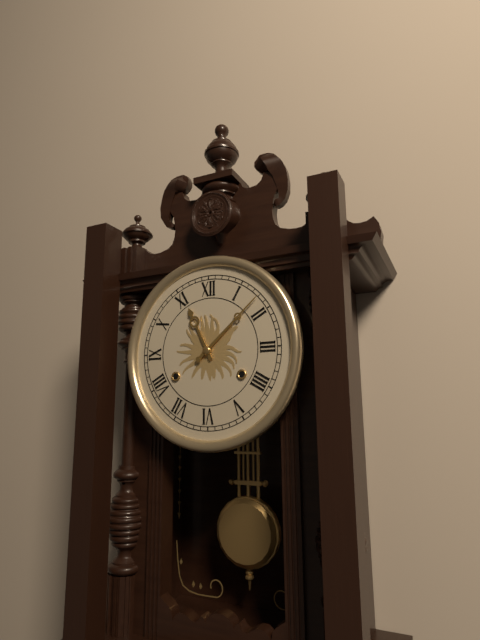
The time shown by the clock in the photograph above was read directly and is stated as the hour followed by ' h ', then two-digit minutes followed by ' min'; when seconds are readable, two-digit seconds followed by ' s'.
11 h 08 min
